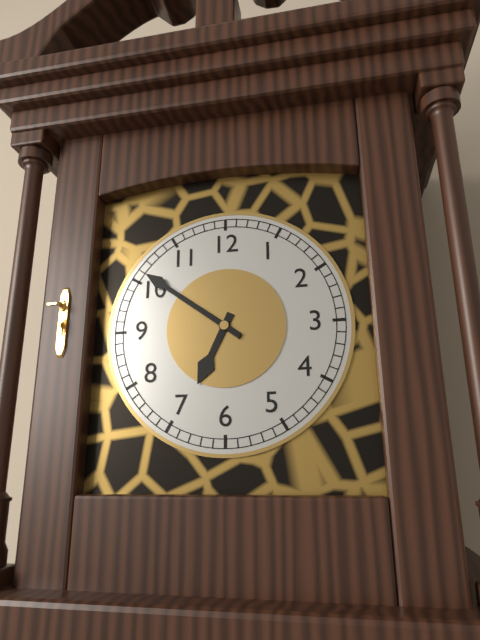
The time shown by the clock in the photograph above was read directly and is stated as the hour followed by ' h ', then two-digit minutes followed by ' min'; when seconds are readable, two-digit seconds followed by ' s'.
6 h 51 min
